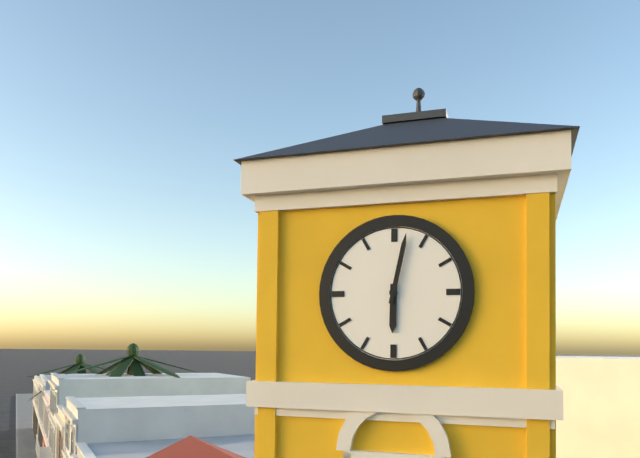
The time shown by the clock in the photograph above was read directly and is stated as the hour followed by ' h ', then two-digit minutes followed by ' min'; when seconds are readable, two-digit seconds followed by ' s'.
6 h 02 min
